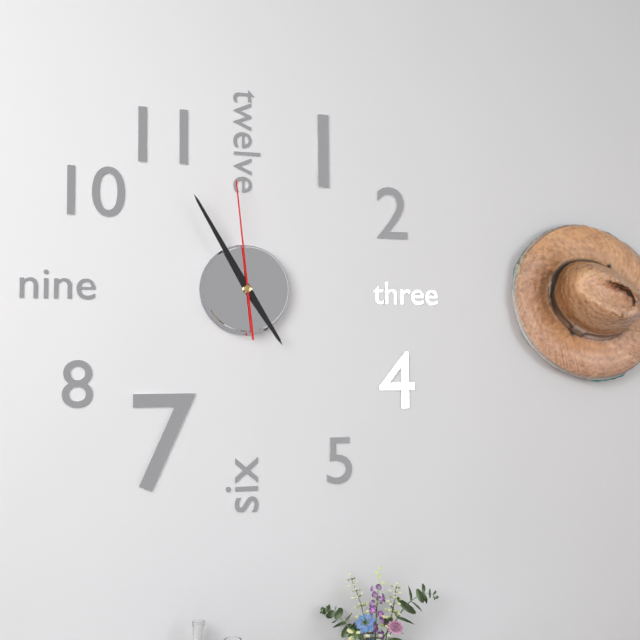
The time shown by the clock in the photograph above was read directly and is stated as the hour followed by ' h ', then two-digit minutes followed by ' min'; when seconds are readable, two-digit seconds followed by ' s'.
4 h 55 min 59 s
